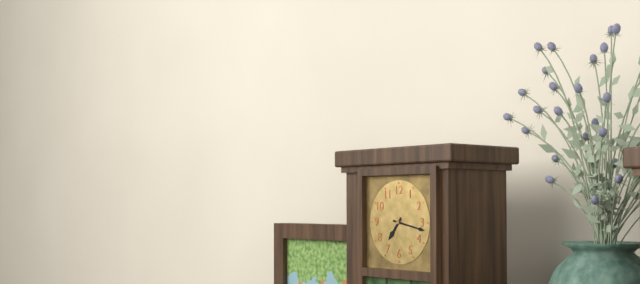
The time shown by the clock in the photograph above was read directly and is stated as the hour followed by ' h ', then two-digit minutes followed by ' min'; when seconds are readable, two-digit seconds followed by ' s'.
7 h 17 min
